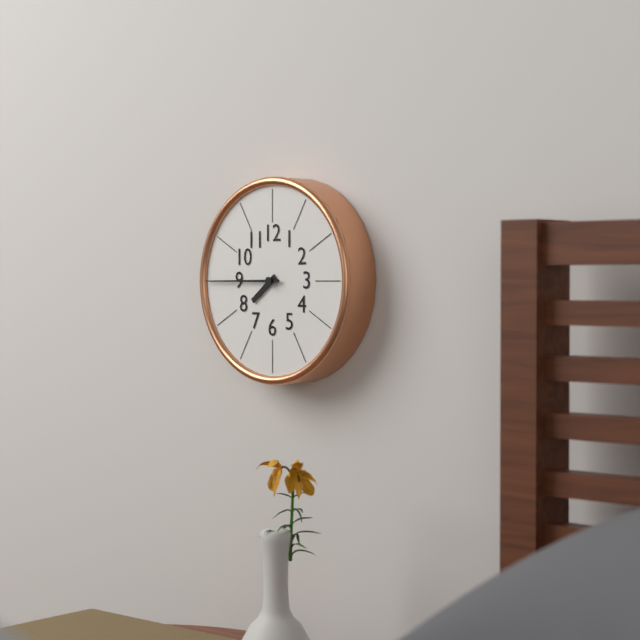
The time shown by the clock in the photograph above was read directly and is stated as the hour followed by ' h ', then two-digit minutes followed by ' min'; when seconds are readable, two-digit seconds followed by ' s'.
7 h 45 min
